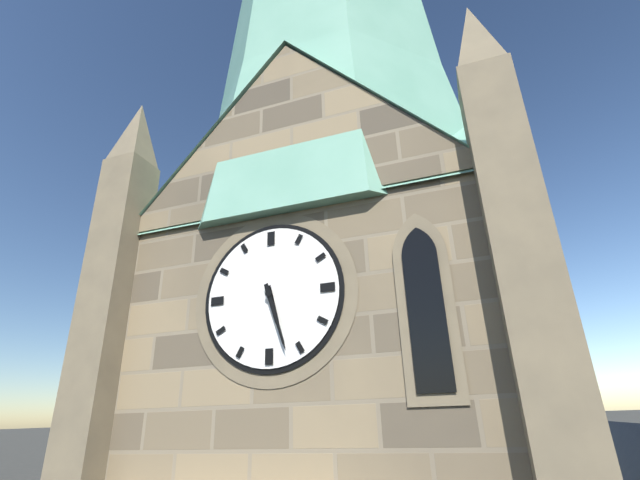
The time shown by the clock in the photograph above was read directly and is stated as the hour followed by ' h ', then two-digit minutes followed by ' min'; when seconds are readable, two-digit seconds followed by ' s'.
5 h 27 min
